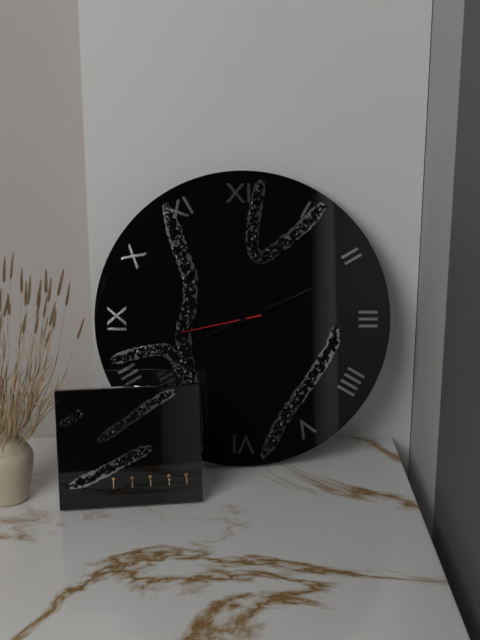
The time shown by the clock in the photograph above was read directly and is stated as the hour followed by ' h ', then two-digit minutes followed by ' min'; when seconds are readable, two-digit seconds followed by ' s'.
8 h 11 min 43 s
